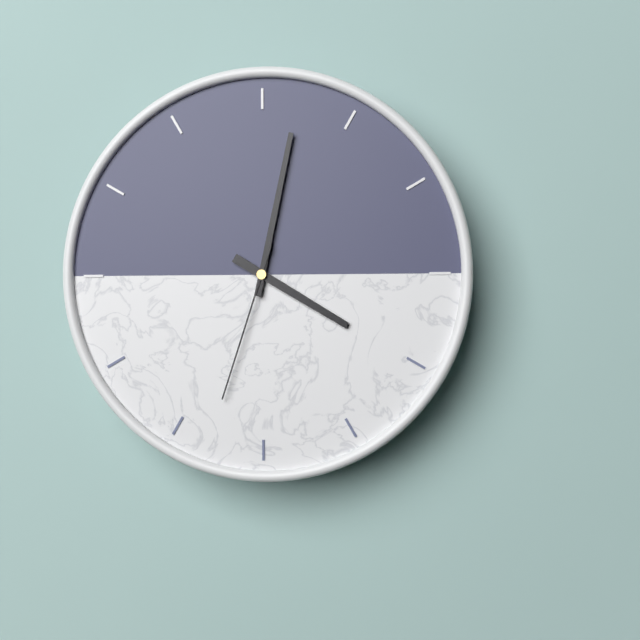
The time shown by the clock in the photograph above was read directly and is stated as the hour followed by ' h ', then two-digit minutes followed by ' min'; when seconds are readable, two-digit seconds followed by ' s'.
4 h 02 min 33 s
